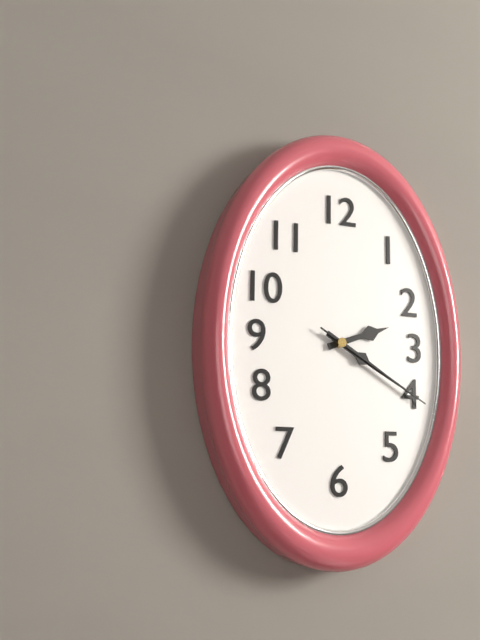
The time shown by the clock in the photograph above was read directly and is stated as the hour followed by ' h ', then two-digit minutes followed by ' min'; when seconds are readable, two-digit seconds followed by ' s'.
2 h 20 min 20 s
